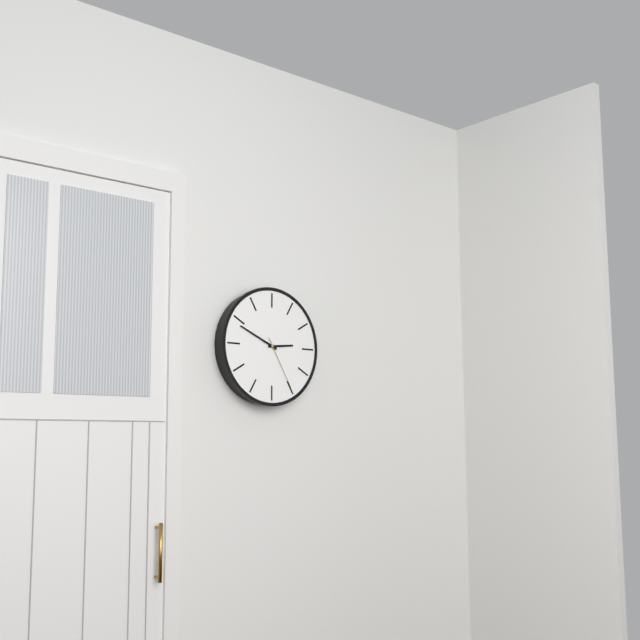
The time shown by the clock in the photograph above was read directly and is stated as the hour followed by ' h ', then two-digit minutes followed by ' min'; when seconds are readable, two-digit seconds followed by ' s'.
2 h 49 min 25 s
